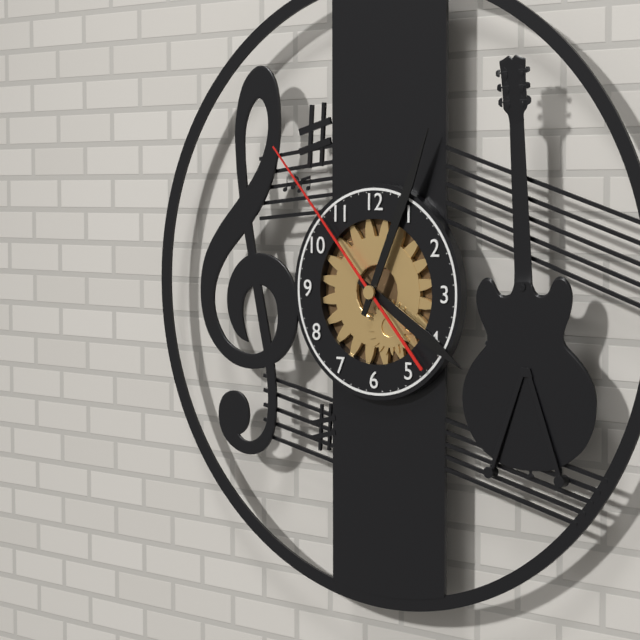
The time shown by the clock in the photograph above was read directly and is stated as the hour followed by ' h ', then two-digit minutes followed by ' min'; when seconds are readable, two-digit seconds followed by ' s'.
4 h 04 min 53 s
